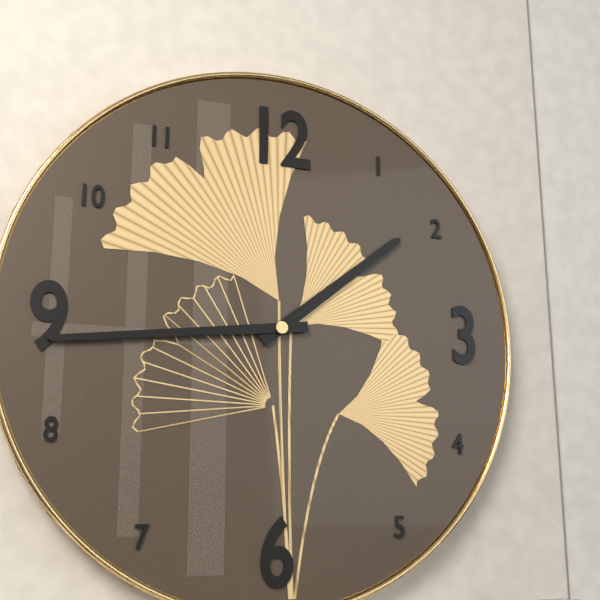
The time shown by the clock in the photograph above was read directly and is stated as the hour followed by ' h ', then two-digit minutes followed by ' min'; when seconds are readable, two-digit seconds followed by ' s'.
1 h 44 min
